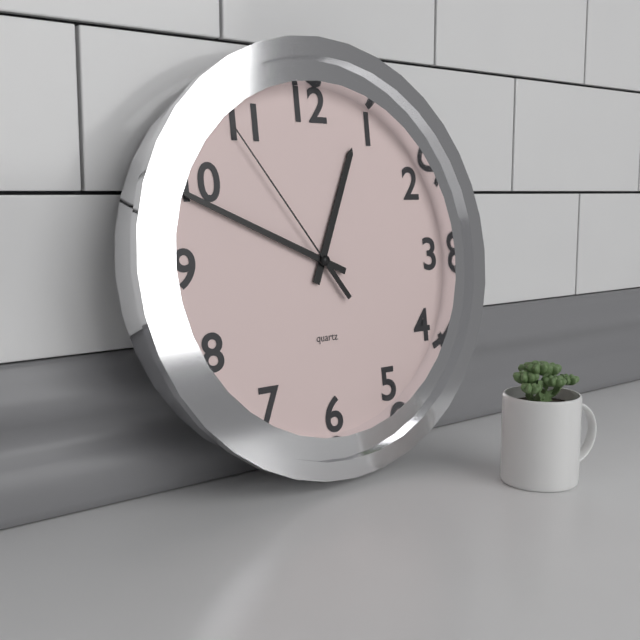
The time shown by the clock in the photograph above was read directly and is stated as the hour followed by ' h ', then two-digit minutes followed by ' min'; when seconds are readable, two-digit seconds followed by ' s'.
12 h 49 min 54 s
